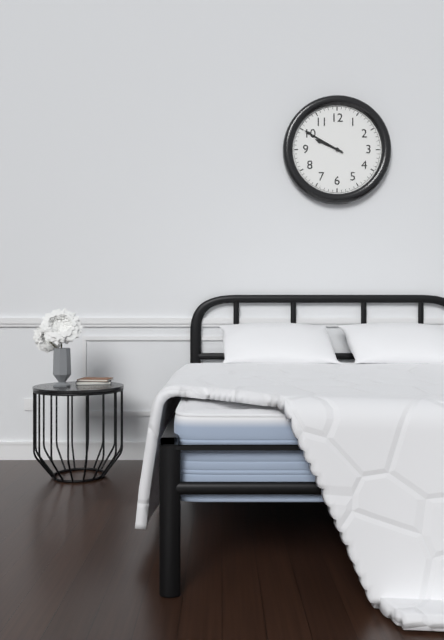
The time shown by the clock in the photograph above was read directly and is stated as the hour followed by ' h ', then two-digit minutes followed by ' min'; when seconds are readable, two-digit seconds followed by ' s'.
9 h 50 min
